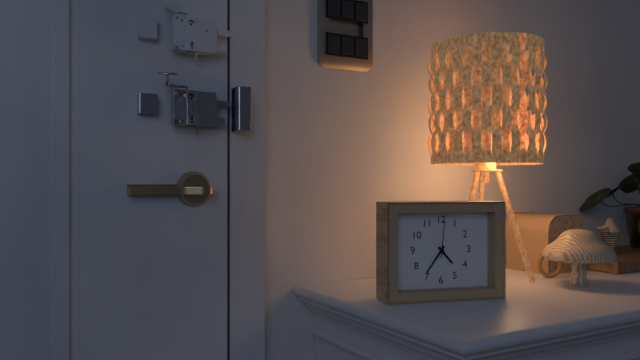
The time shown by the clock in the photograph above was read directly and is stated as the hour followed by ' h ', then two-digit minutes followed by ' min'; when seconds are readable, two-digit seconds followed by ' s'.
4 h 36 min
